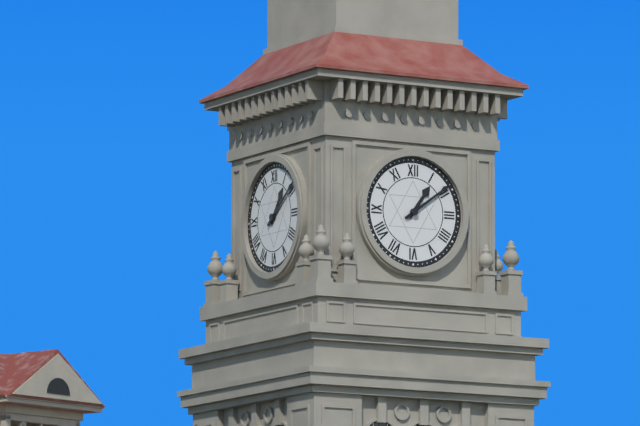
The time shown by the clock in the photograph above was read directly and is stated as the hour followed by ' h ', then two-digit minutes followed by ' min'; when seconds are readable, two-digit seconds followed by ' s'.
1 h 09 min
